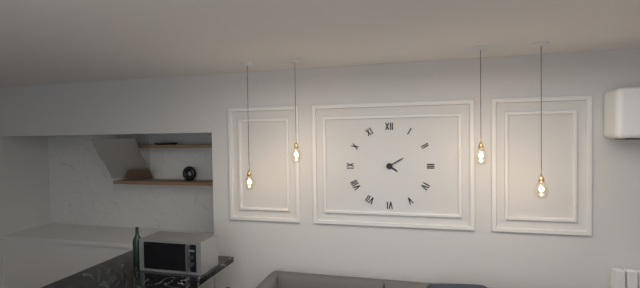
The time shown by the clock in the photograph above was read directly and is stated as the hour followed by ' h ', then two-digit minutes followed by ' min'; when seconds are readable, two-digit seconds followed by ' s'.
4 h 10 min
